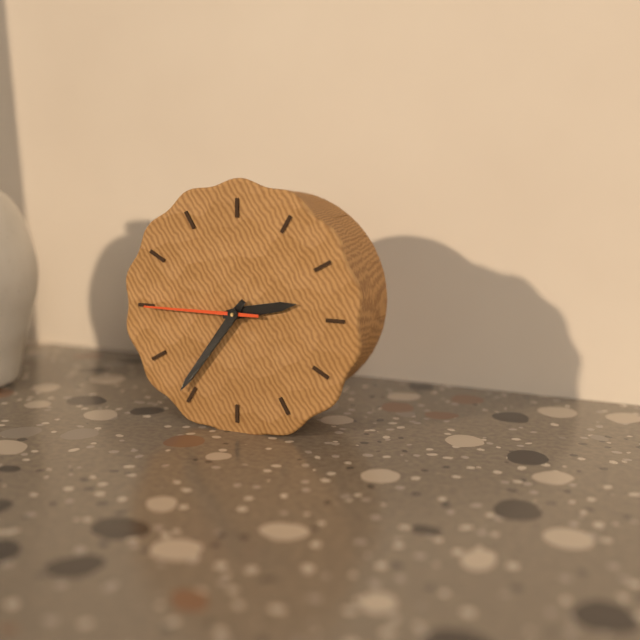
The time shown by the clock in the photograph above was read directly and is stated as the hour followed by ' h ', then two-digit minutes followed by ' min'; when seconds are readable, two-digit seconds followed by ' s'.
2 h 36 min 45 s
